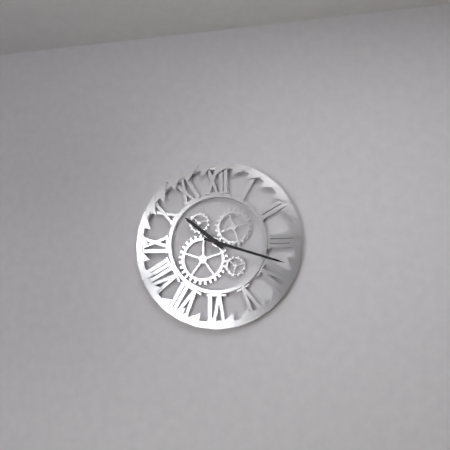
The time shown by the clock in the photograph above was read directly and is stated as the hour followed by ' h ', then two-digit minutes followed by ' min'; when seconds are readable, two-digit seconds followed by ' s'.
10 h 18 min
